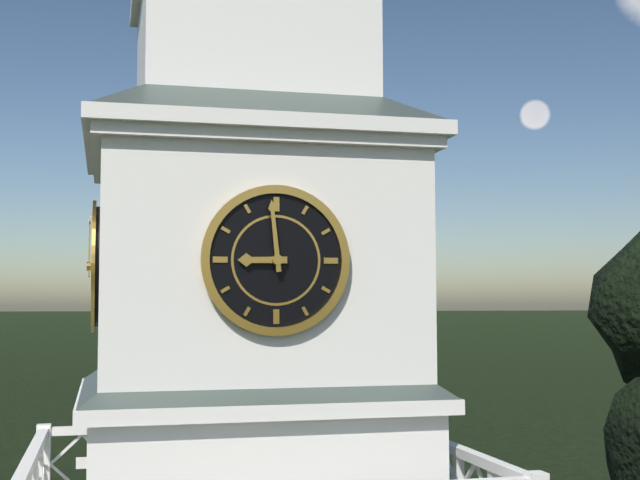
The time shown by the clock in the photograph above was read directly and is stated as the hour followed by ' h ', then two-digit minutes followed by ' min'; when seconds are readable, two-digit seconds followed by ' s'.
8 h 59 min
